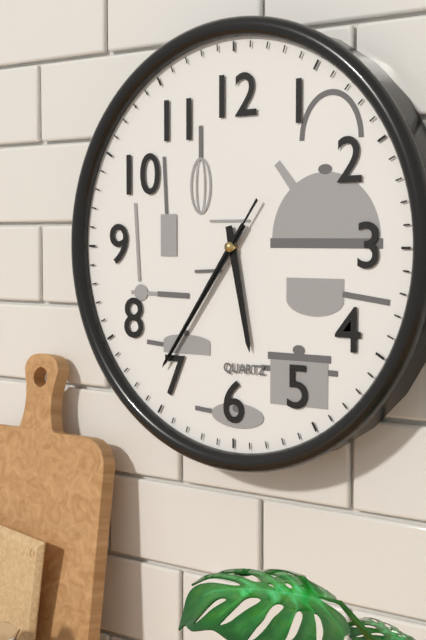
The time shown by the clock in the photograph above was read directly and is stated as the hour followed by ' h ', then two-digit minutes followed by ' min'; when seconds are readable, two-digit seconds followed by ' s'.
5 h 36 min 36 s
